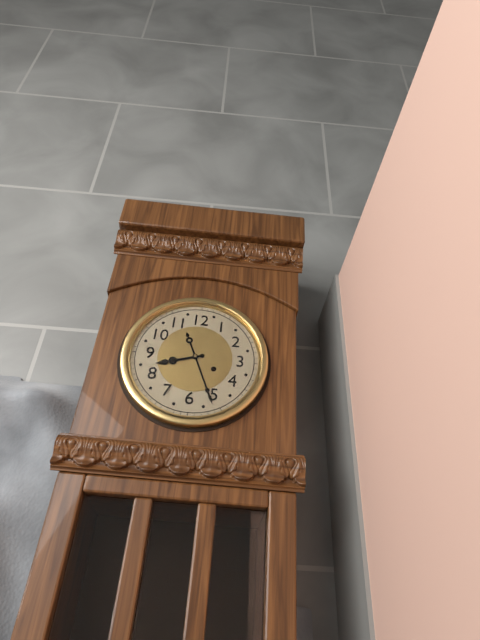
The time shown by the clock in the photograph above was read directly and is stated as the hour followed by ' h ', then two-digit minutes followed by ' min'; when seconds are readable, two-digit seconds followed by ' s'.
8 h 26 min
